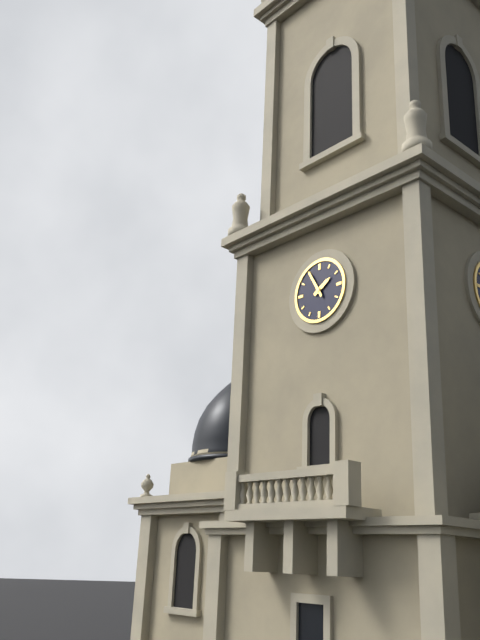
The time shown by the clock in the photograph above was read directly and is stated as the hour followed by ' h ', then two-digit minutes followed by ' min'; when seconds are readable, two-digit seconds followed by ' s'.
1 h 55 min
